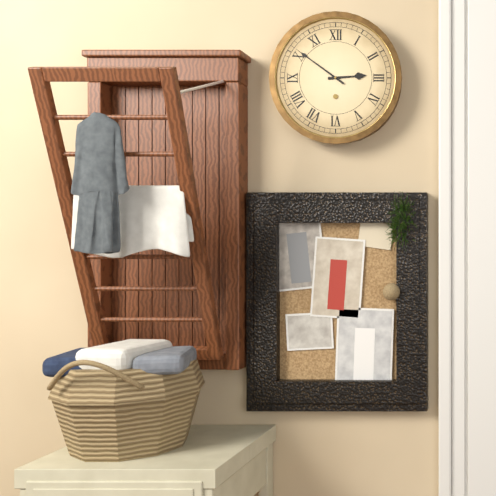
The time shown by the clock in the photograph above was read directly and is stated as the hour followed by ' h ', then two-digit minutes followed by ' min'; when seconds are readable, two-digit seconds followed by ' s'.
2 h 51 min
